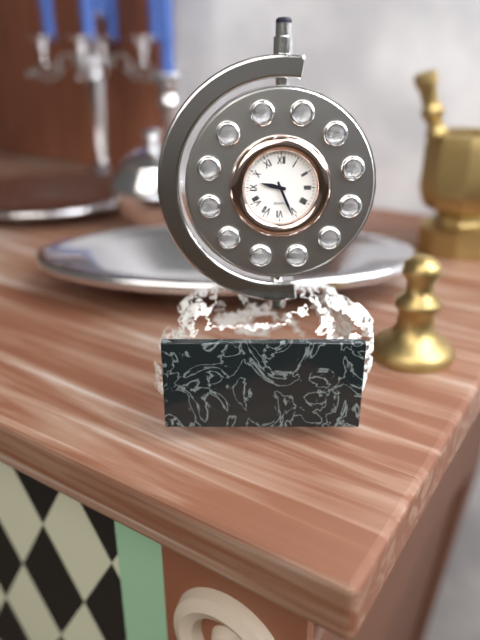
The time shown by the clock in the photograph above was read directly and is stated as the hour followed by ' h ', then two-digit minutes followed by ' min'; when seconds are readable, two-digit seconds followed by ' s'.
9 h 26 min
